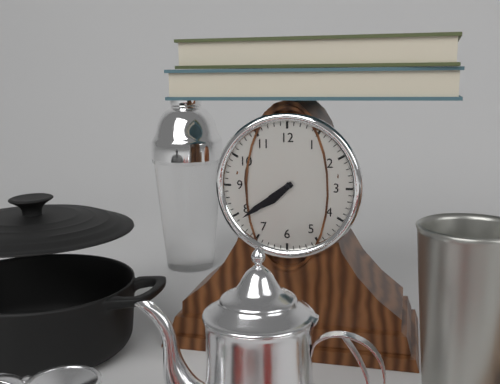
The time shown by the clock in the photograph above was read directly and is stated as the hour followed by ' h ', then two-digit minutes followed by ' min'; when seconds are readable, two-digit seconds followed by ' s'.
7 h 39 min
